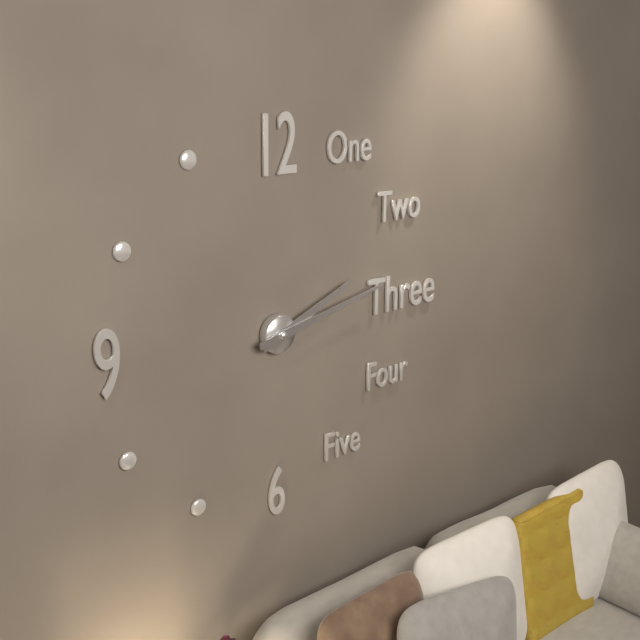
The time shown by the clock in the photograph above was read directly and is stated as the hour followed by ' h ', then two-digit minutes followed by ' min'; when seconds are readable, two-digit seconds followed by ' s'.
2 h 13 min
